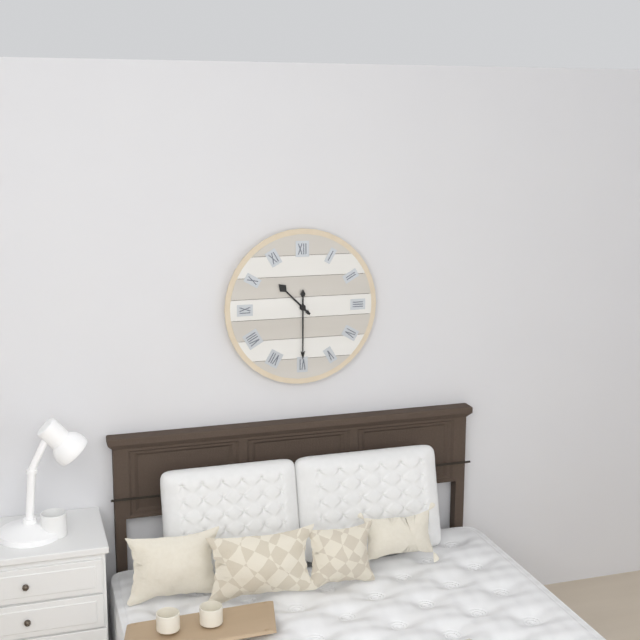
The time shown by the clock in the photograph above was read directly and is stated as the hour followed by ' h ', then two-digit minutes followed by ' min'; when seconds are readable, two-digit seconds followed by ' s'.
10 h 30 min
